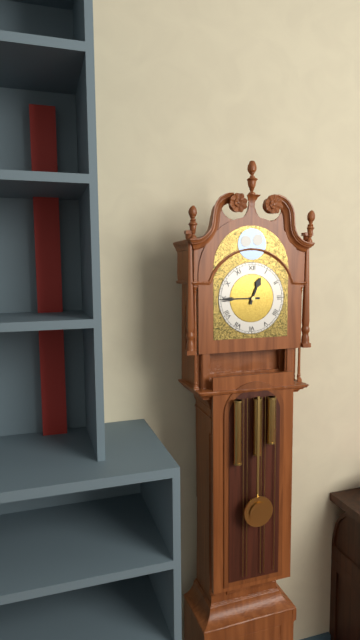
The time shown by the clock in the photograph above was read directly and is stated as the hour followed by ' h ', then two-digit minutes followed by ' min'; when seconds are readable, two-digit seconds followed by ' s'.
12 h 45 min
